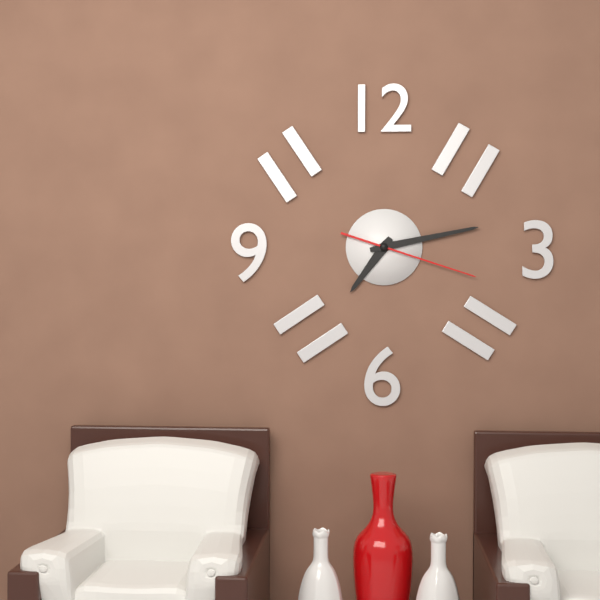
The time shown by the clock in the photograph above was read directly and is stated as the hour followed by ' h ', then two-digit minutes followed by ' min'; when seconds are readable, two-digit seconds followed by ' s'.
7 h 13 min 18 s
